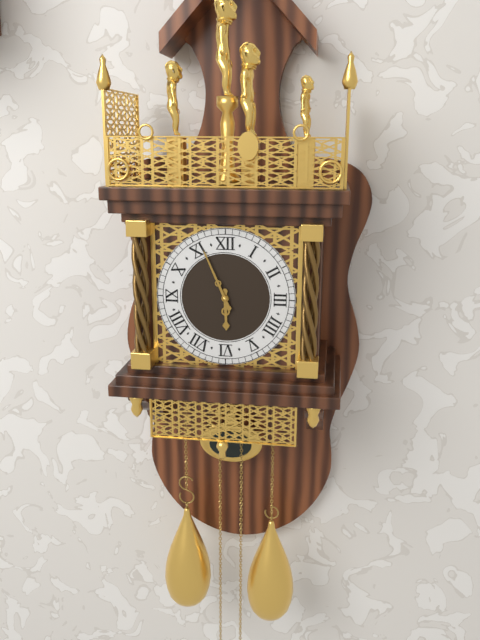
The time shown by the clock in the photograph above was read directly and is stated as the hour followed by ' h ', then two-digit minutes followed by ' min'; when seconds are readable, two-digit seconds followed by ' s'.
5 h 56 min
